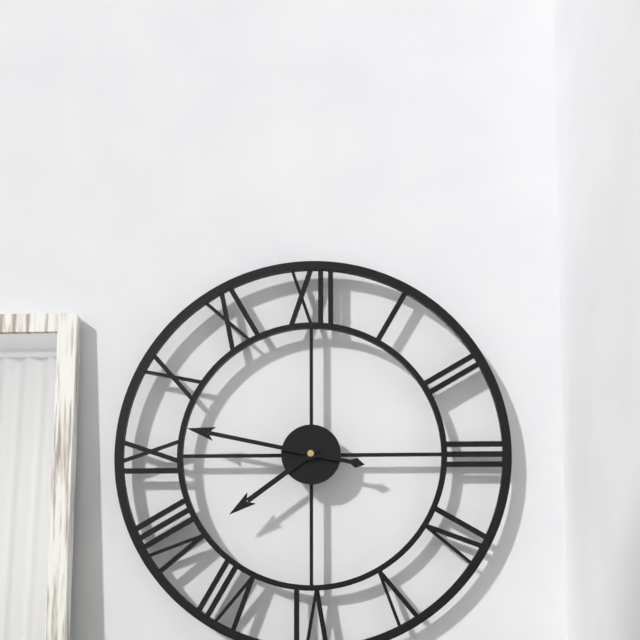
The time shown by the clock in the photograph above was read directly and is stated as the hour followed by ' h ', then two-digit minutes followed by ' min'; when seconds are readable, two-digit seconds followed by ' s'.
7 h 47 min
